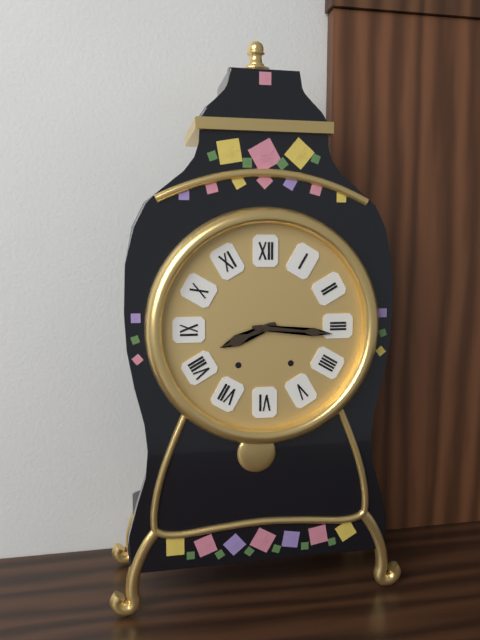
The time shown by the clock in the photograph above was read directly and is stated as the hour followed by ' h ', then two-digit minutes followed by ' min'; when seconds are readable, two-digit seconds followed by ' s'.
8 h 16 min
